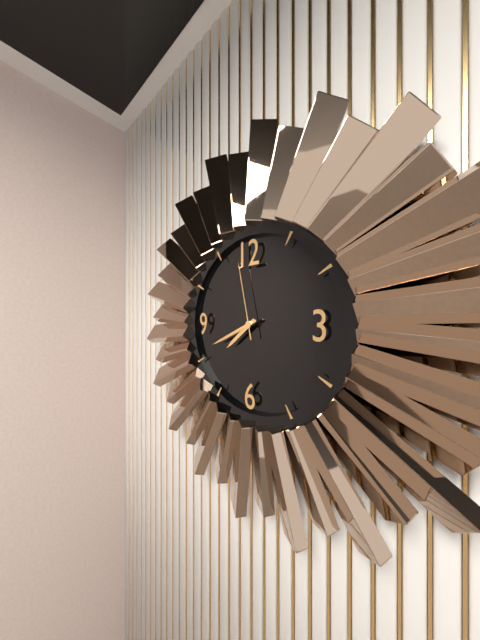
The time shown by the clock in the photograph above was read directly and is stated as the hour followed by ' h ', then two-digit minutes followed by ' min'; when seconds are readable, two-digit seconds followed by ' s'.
7 h 41 min 58 s
